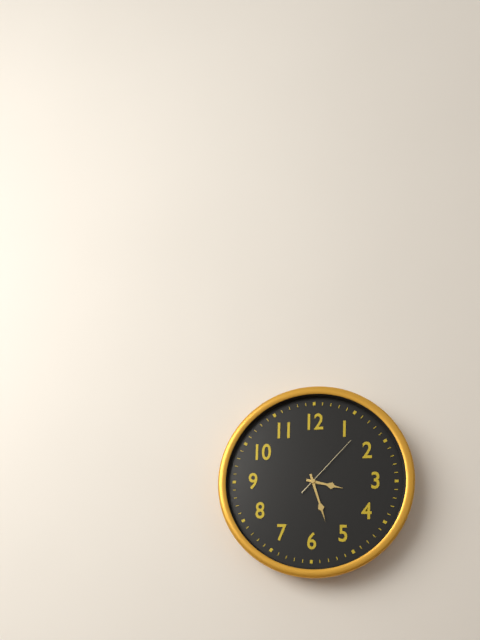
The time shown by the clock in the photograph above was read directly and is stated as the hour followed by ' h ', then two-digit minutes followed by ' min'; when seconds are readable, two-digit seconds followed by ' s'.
3 h 27 min 07 s
